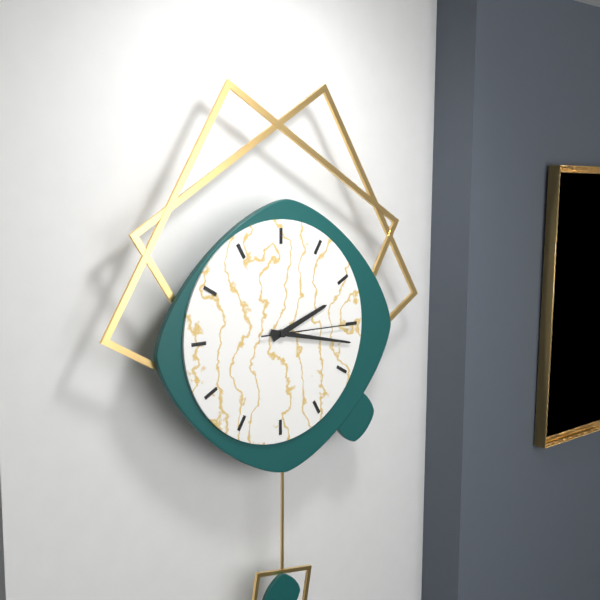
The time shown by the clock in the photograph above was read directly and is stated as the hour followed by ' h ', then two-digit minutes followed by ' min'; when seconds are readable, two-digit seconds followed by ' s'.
2 h 17 min 15 s
